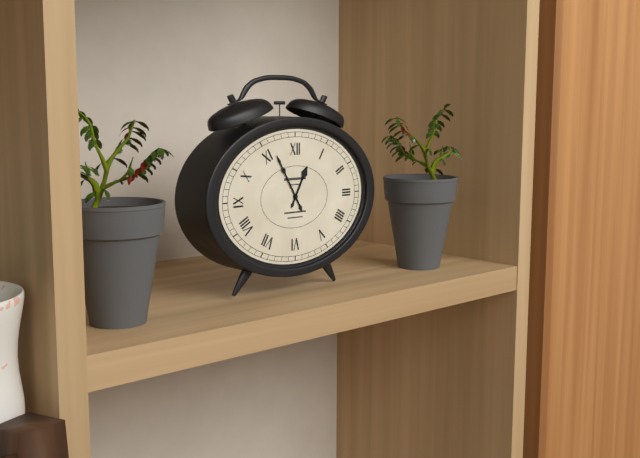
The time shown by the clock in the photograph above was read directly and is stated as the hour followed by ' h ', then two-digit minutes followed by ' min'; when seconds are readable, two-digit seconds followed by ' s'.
12 h 55 min
